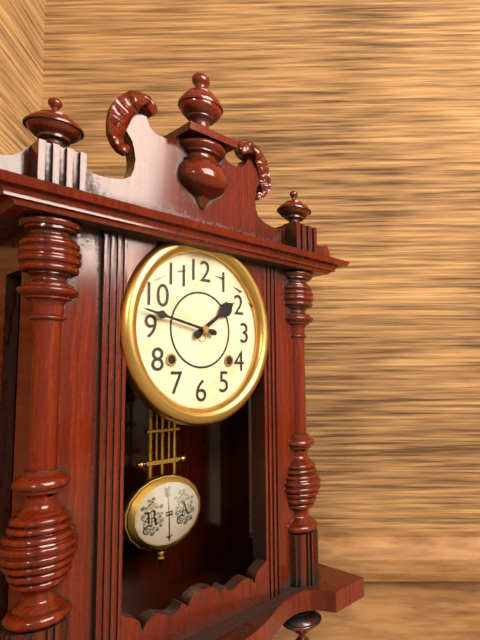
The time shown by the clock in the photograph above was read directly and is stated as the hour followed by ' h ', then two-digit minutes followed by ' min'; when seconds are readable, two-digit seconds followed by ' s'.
1 h 47 min
